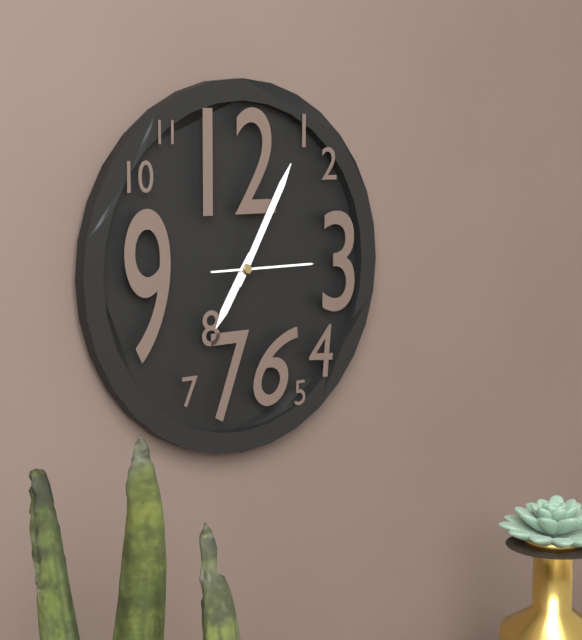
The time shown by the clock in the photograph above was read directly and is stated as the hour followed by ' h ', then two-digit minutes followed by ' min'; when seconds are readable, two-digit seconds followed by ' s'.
7 h 05 min 15 s
